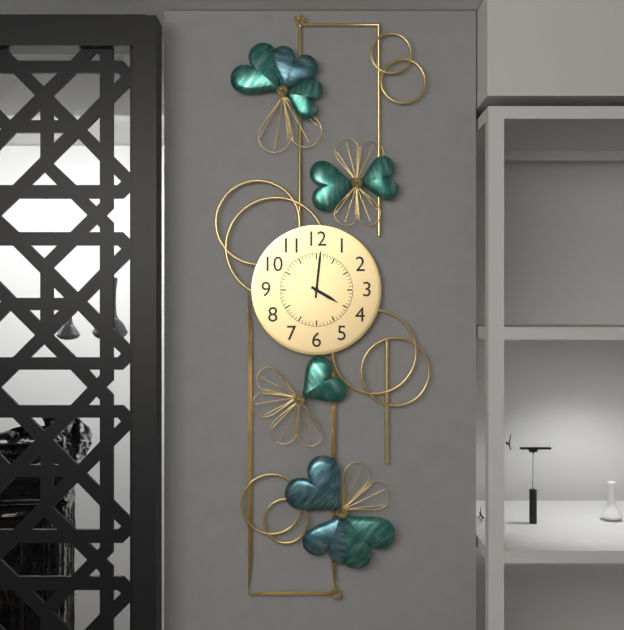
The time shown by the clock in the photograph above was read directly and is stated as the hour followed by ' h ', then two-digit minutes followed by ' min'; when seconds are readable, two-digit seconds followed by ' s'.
4 h 01 min
